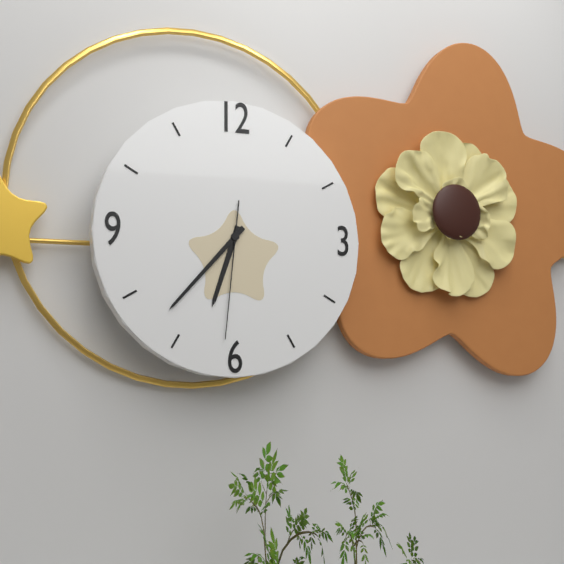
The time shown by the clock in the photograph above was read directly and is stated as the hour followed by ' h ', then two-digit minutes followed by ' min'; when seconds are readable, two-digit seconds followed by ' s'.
6 h 37 min 31 s
